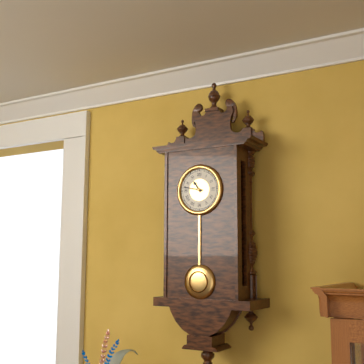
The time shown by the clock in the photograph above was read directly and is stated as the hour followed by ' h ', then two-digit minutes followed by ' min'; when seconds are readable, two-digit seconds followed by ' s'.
10 h 47 min
